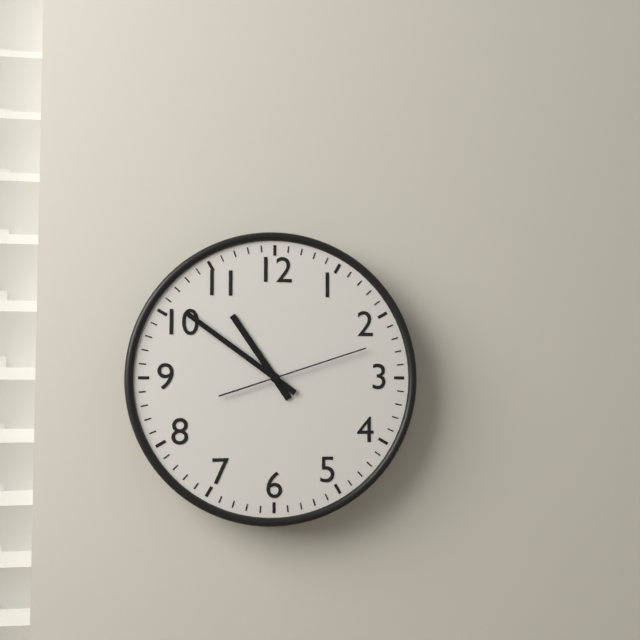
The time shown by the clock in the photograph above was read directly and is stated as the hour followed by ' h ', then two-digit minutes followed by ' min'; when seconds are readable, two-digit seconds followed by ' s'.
10 h 51 min 12 s
